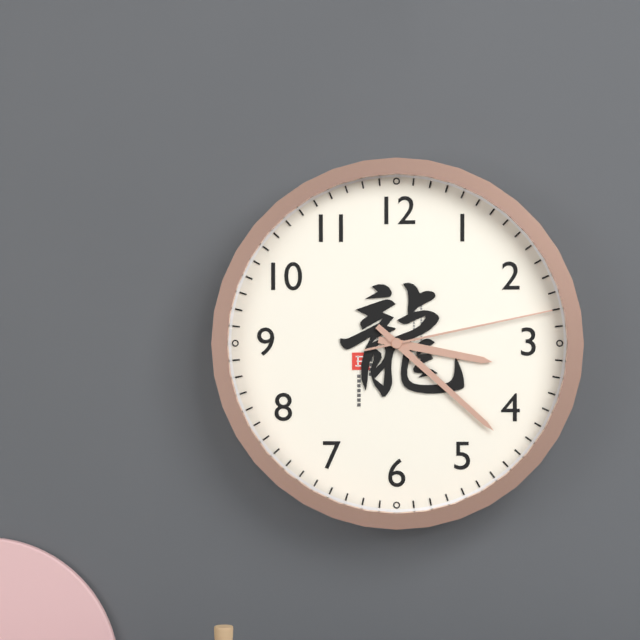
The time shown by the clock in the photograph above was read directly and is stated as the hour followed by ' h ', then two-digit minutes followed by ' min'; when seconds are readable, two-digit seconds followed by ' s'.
3 h 22 min 13 s
